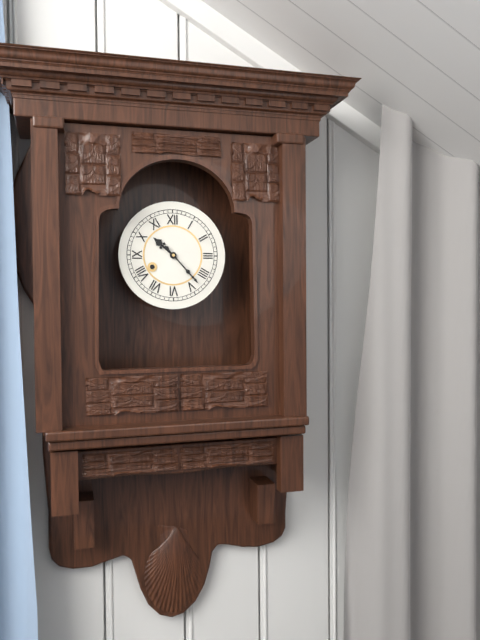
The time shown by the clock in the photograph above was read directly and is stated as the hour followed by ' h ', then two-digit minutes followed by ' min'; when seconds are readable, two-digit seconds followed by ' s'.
10 h 23 min
